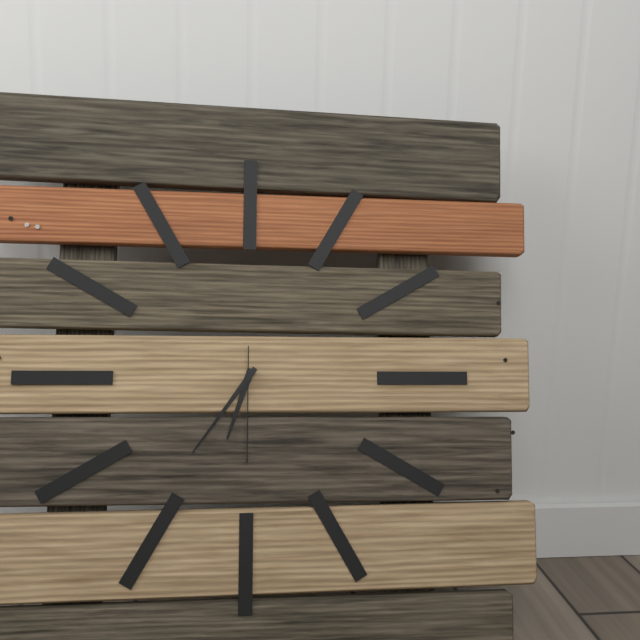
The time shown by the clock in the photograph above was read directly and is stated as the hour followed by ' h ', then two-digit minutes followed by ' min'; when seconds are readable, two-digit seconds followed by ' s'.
6 h 36 min 30 s
